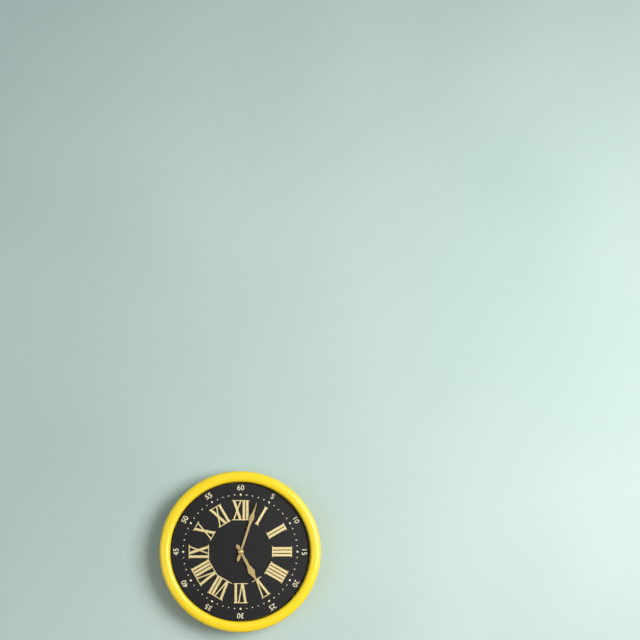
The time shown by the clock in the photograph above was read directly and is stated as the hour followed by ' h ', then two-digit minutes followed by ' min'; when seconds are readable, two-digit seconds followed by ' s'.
5 h 03 min
